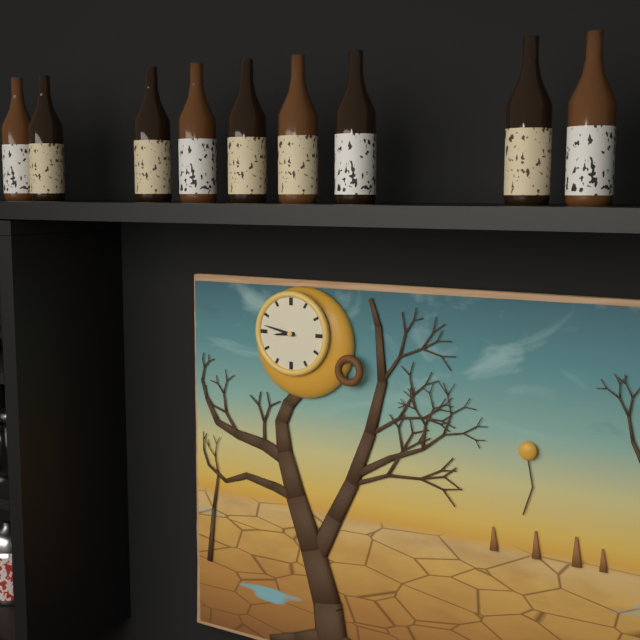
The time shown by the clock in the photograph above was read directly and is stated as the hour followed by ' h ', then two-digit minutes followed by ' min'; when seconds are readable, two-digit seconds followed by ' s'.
8 h 47 min
